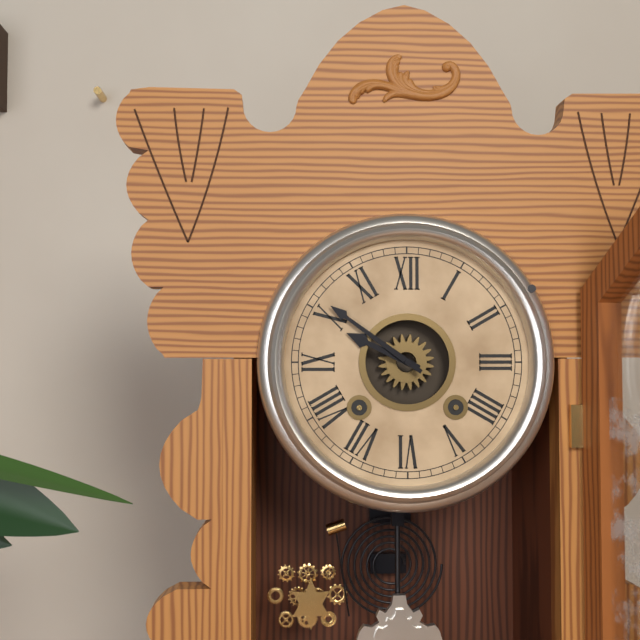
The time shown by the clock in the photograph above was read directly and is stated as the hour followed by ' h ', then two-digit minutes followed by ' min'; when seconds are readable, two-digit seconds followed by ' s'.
9 h 51 min
